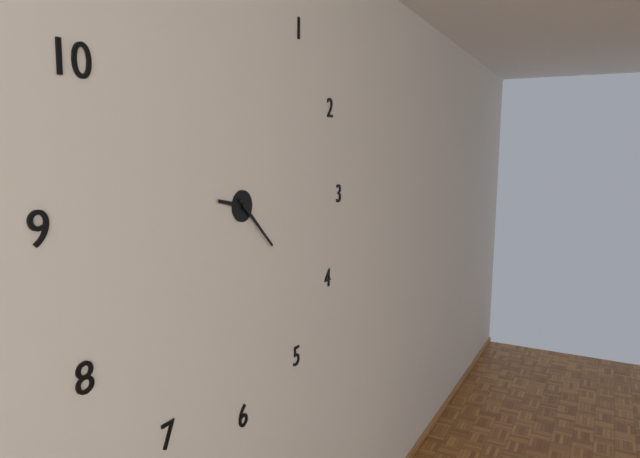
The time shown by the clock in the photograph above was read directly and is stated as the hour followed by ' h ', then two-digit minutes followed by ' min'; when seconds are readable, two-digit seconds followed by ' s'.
9 h 22 min
